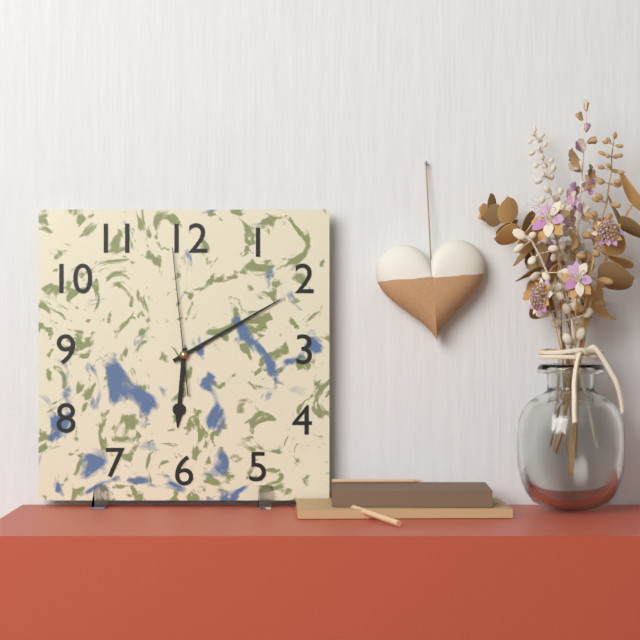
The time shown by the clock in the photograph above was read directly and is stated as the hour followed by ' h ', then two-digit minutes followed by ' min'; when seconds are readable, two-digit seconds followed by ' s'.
6 h 10 min 59 s
